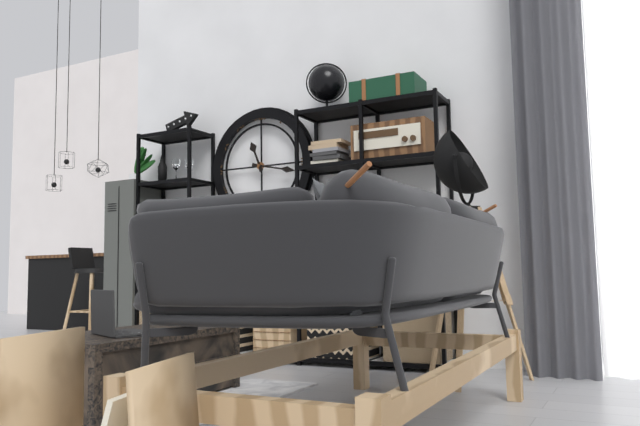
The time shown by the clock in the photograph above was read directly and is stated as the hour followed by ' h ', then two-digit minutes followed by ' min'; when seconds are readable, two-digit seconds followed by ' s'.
11 h 17 min
